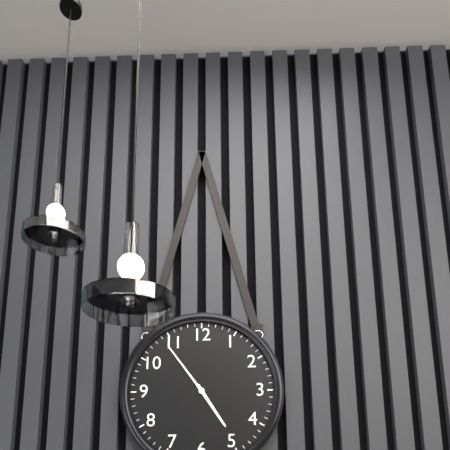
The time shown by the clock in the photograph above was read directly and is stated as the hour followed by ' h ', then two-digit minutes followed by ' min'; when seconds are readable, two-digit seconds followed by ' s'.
4 h 54 min
